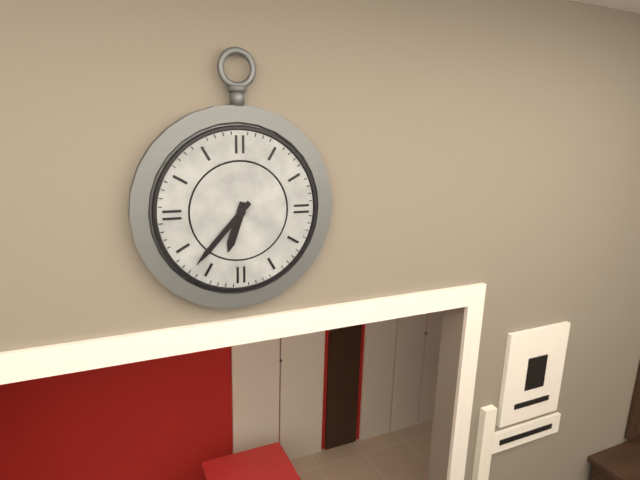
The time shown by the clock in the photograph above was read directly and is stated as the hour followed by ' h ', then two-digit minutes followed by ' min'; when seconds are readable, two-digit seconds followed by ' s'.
6 h 37 min
